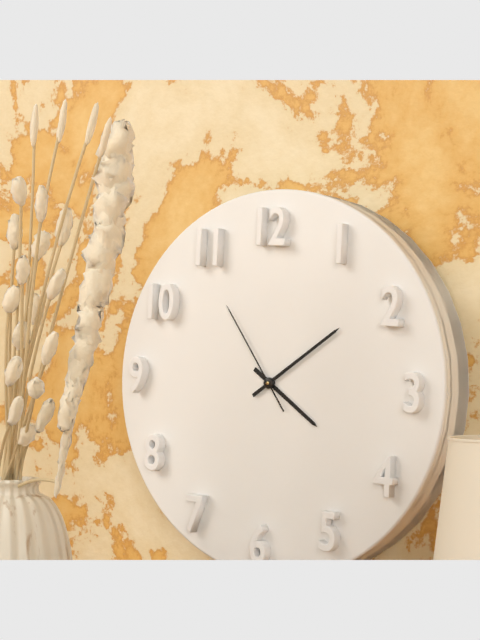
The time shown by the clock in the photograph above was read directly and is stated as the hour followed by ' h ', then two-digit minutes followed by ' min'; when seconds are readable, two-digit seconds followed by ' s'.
4 h 09 min 54 s
